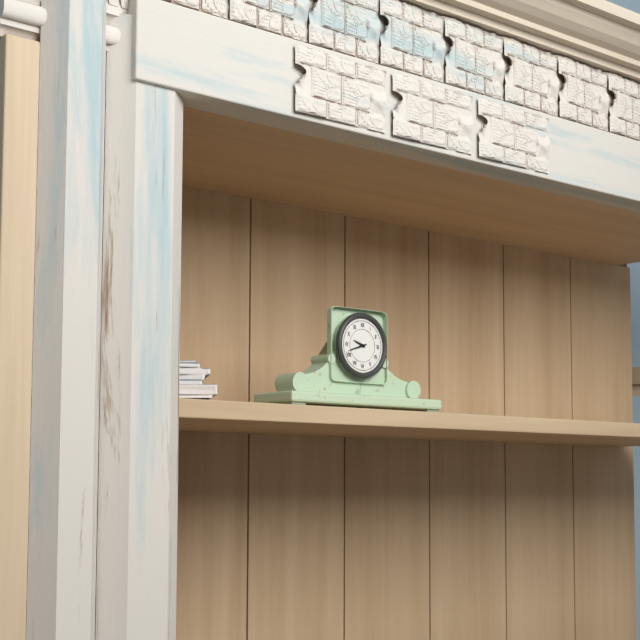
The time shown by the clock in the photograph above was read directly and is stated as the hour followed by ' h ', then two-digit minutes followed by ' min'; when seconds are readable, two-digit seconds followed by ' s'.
9 h 42 min
